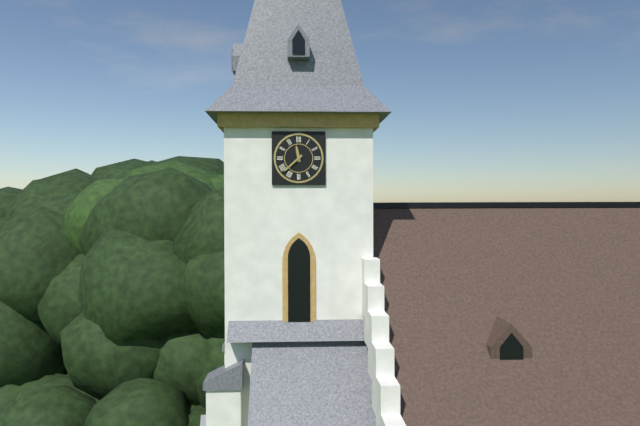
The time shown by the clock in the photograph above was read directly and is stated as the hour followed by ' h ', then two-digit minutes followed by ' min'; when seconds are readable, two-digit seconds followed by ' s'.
11 h 38 min
